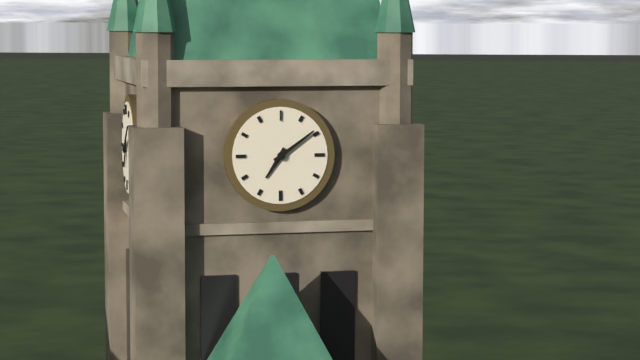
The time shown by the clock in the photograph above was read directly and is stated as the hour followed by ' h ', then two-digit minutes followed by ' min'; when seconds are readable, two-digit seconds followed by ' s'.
7 h 09 min
